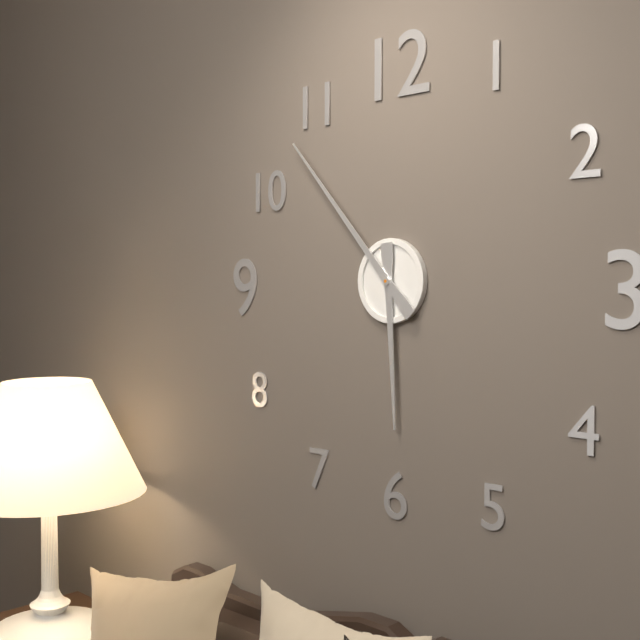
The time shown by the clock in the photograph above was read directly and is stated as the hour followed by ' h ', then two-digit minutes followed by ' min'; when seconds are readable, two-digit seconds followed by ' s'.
5 h 53 min
